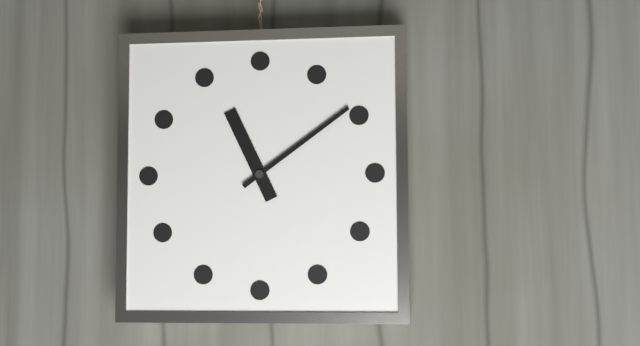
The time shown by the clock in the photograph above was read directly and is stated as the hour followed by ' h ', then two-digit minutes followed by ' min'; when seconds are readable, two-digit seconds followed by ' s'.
11 h 09 min
